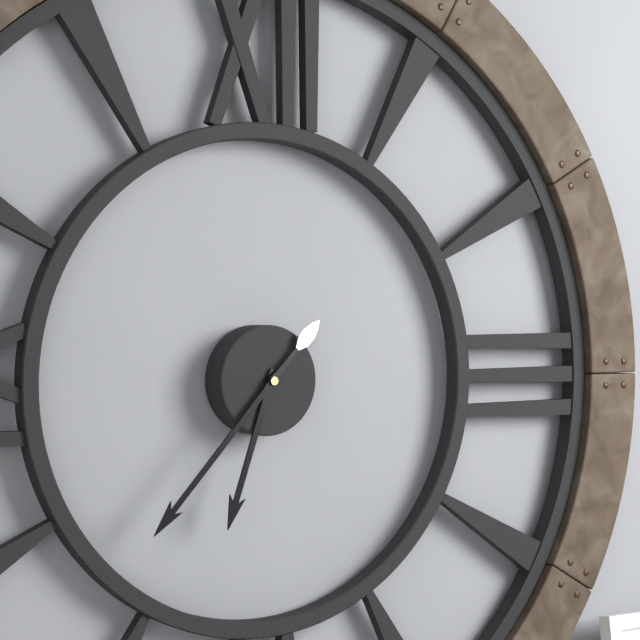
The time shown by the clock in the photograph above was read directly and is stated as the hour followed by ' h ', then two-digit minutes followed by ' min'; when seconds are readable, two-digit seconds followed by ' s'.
6 h 37 min
